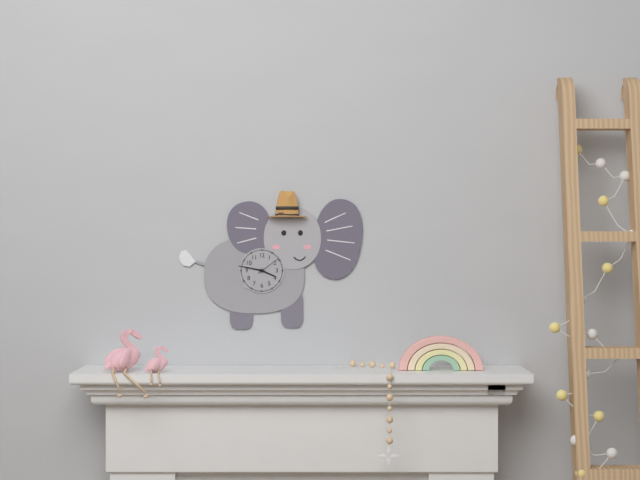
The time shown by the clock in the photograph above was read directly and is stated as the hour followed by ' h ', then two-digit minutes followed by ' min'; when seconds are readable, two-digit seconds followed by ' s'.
3 h 47 min
